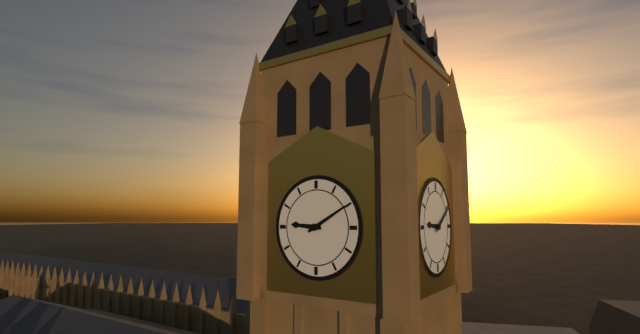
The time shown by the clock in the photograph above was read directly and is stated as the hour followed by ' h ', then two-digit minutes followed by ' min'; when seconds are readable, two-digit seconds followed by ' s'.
9 h 10 min
